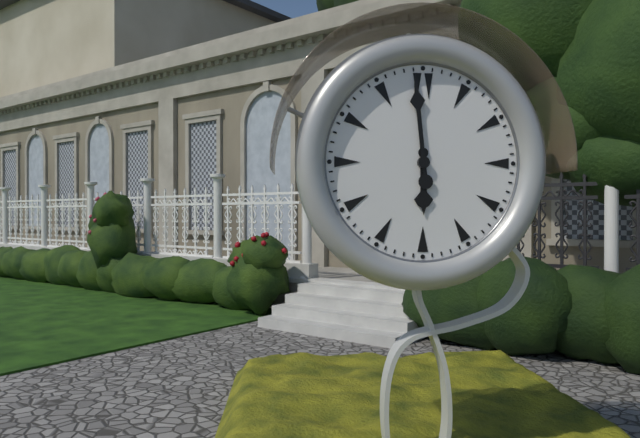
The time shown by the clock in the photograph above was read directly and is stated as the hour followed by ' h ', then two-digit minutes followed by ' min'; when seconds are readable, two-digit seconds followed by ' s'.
5 h 59 min
